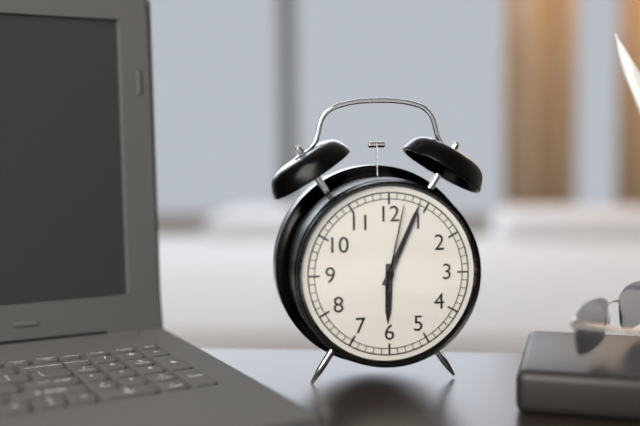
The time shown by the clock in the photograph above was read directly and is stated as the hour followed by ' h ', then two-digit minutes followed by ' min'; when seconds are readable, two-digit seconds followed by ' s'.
6 h 04 min 02 s
